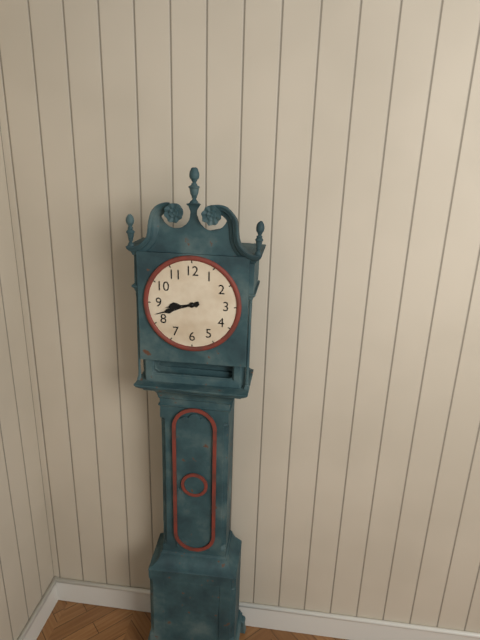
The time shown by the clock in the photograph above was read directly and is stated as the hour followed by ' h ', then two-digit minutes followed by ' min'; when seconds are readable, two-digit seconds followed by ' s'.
8 h 42 min
